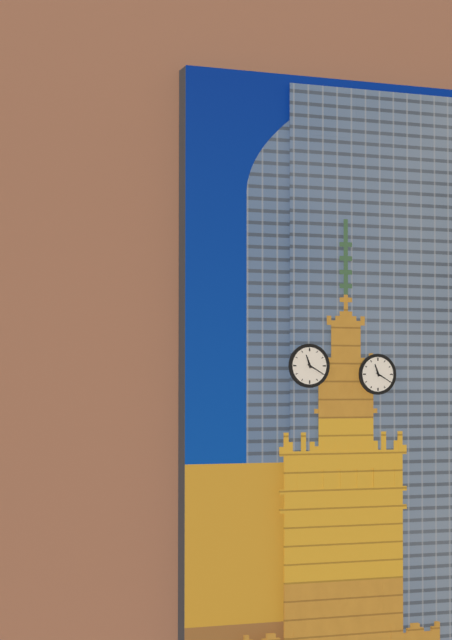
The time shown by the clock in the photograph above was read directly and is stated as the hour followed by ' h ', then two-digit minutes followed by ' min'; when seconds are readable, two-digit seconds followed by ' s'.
11 h 20 min
